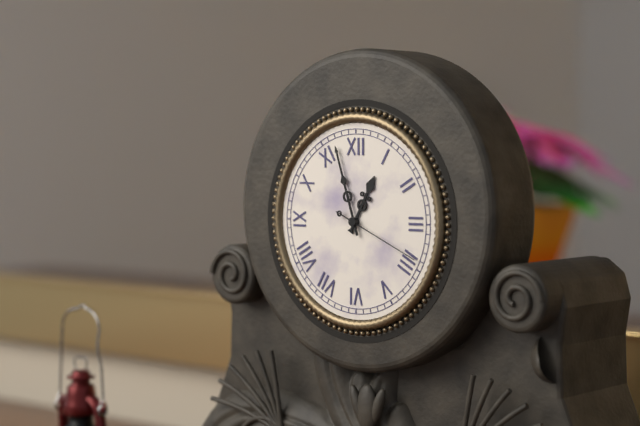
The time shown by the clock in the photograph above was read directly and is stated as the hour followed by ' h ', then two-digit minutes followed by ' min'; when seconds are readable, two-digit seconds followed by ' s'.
12 h 57 min 19 s
